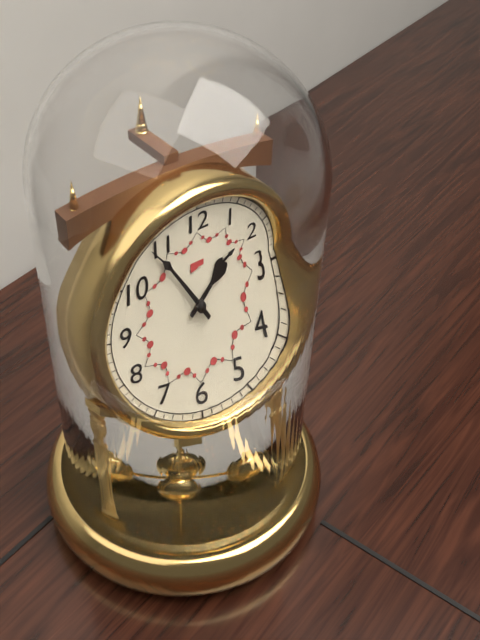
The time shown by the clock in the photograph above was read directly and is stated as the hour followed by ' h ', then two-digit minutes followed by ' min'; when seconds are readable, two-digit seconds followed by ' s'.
1 h 54 min
